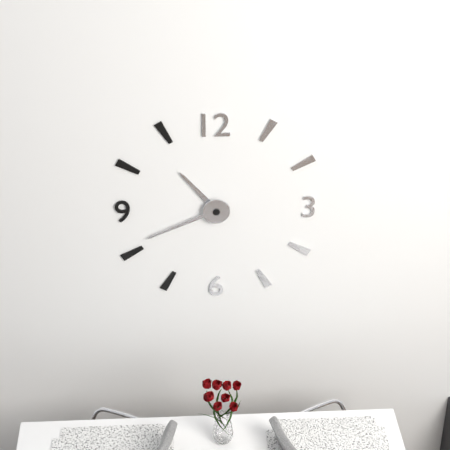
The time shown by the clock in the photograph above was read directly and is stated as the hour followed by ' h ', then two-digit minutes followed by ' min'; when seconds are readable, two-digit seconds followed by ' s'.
10 h 41 min
